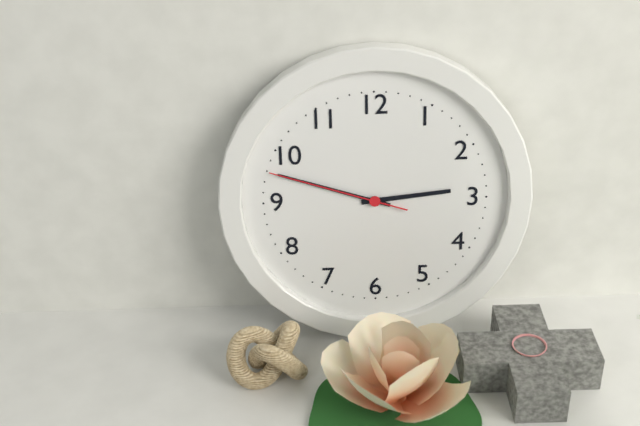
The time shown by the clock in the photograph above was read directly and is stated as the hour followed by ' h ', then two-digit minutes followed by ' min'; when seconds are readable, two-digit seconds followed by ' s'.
2 h 48 min 48 s
